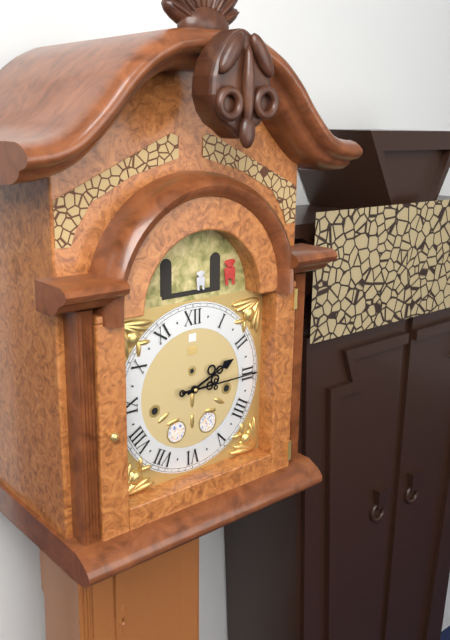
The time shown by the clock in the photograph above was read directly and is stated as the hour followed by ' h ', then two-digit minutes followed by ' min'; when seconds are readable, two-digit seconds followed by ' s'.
2 h 15 min
